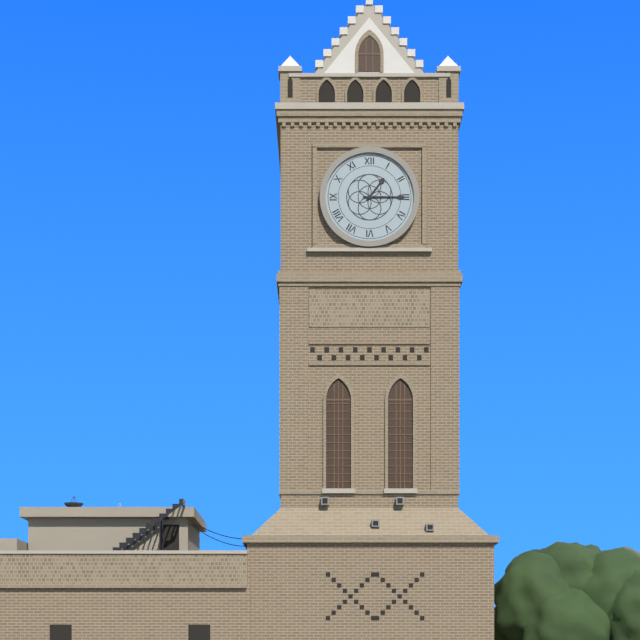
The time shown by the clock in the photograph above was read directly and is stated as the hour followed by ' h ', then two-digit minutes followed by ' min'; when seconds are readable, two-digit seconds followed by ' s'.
1 h 15 min
